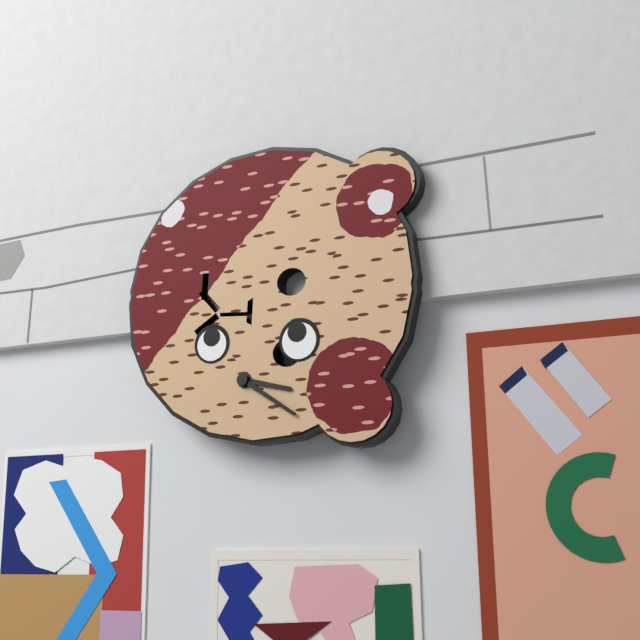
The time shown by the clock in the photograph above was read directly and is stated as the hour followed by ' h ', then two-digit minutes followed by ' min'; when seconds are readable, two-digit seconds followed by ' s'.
3 h 20 min
